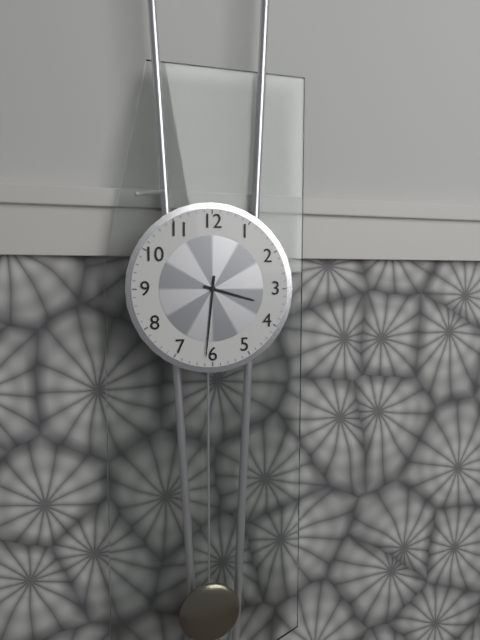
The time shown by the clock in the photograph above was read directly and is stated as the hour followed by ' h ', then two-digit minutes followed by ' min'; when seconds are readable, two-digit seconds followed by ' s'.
3 h 31 min
